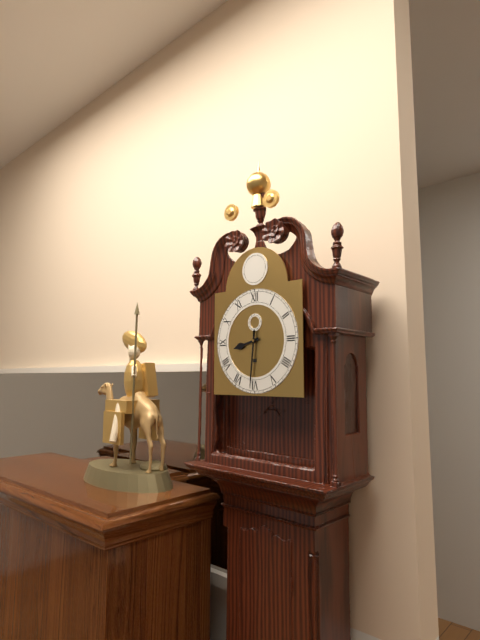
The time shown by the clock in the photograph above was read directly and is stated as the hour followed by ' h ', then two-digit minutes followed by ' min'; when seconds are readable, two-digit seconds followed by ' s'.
8 h 31 min
